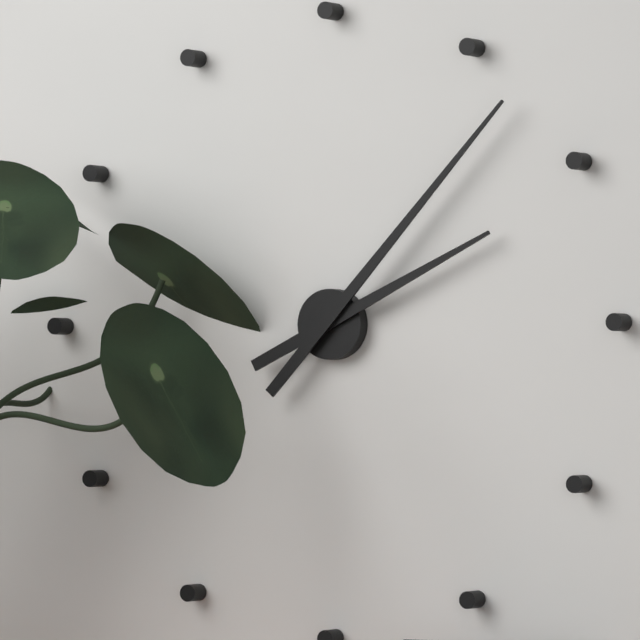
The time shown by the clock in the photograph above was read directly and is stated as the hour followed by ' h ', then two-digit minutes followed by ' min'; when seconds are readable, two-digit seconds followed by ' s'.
2 h 07 min
